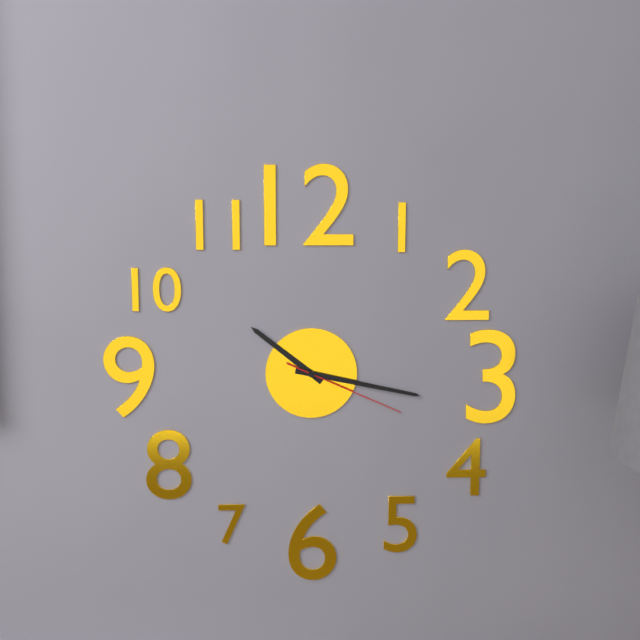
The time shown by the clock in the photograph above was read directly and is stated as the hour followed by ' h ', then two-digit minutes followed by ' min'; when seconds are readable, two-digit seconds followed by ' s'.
10 h 17 min 19 s
